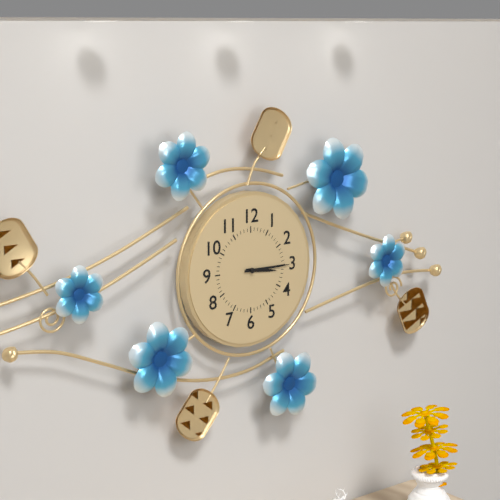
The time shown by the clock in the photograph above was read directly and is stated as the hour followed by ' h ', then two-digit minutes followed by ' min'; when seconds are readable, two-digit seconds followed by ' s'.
3 h 15 min
